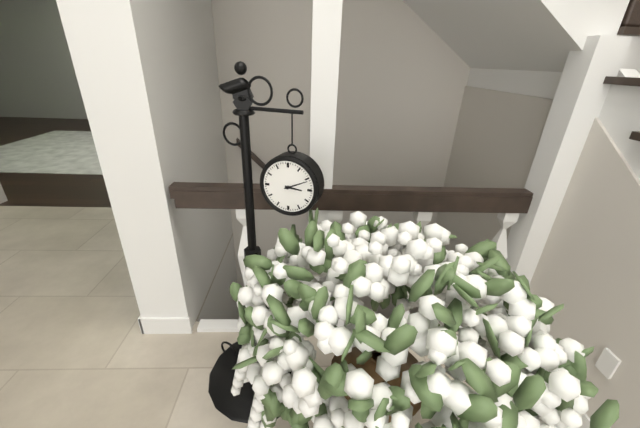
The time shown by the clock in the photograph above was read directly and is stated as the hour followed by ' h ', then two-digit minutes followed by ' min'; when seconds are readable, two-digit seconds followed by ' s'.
3 h 11 min
